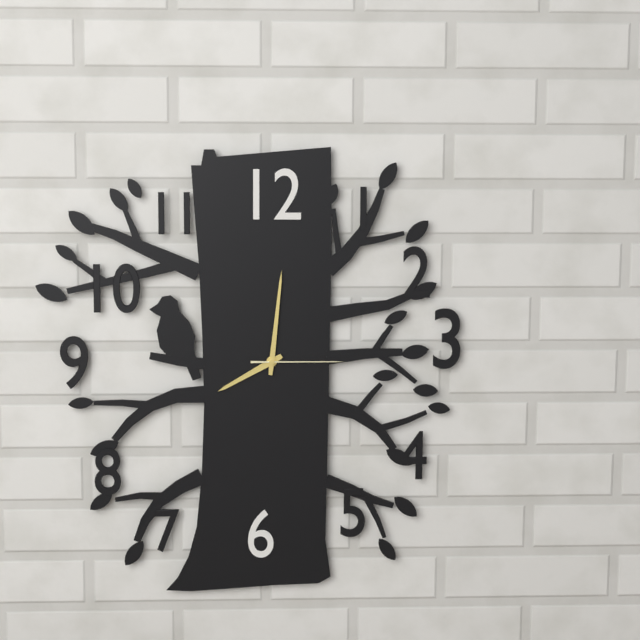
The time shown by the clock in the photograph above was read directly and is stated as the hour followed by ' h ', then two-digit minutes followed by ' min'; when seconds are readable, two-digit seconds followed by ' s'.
8 h 01 min 15 s
